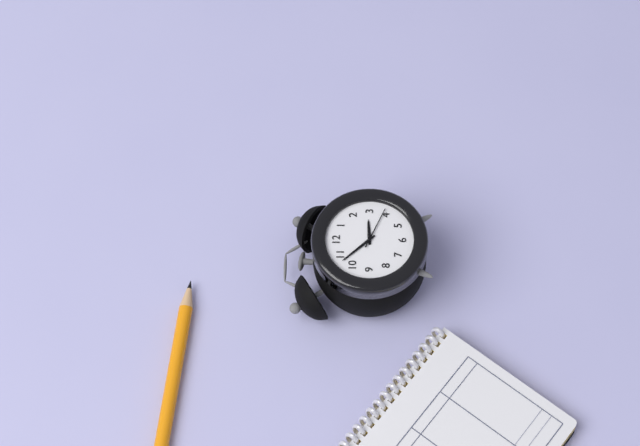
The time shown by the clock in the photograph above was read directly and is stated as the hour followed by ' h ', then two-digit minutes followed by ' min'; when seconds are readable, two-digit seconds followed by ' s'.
2 h 53 min
